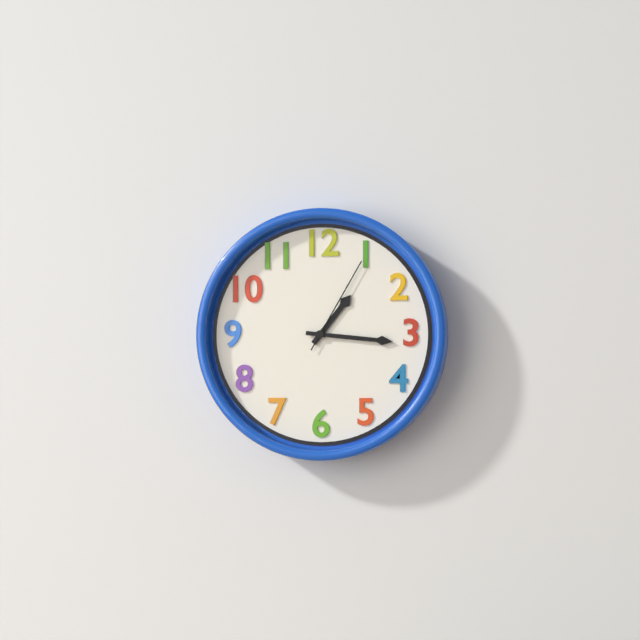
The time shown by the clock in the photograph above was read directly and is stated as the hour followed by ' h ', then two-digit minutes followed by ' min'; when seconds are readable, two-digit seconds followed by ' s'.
1 h 16 min 05 s
